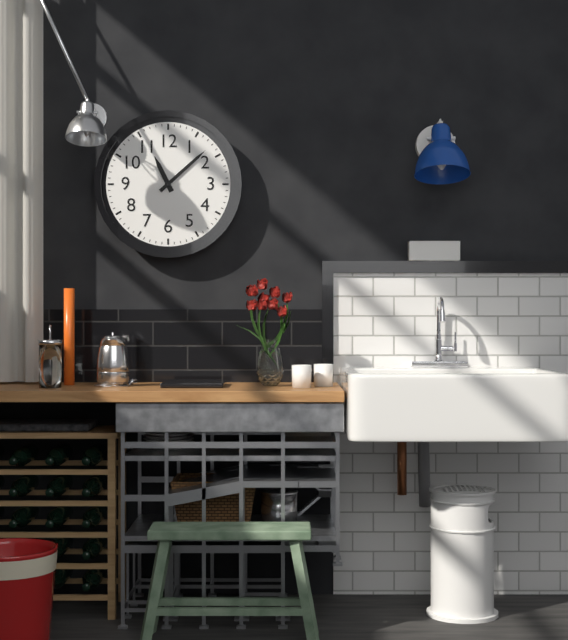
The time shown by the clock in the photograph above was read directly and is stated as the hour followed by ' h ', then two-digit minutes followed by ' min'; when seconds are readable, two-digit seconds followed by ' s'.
11 h 08 min
